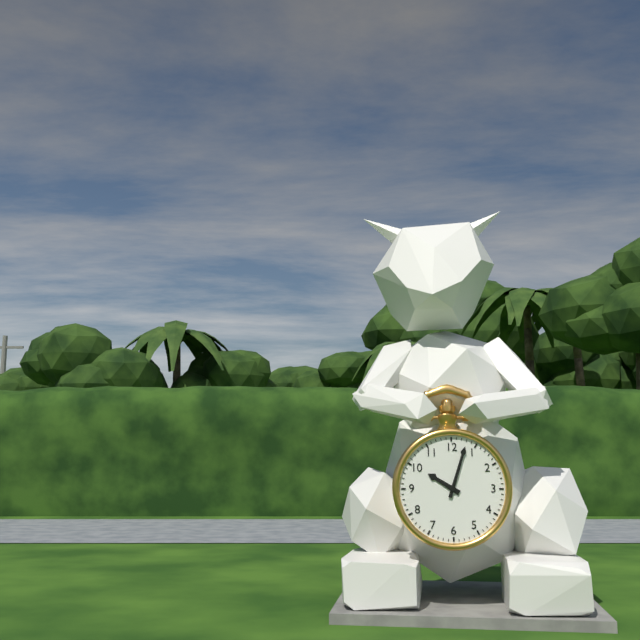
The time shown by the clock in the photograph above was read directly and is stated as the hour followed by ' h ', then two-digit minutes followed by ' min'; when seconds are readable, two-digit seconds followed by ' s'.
10 h 03 min
